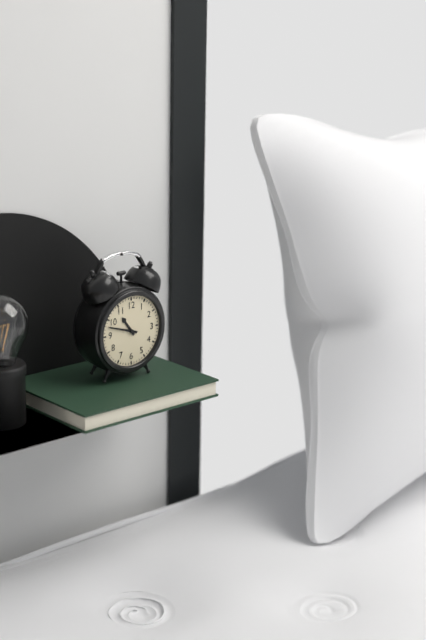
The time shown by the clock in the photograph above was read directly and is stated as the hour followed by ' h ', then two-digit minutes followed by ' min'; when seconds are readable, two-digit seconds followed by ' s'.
10 h 48 min
